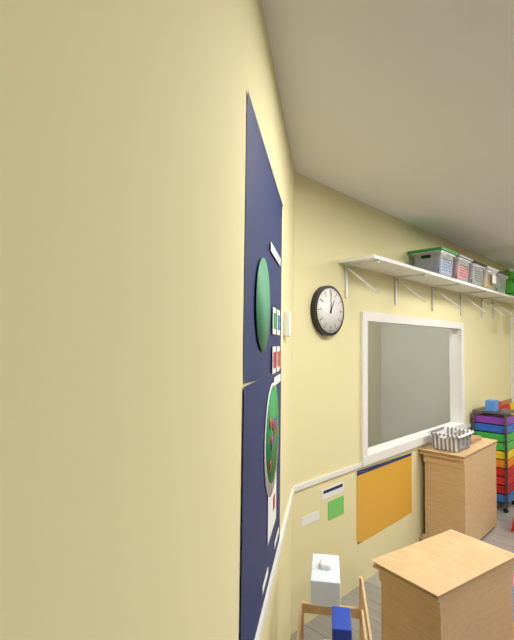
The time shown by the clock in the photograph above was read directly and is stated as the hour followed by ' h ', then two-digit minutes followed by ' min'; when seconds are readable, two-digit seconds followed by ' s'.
1 h 00 min
